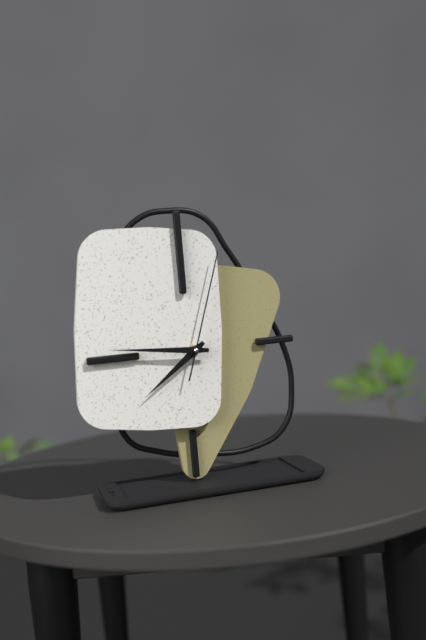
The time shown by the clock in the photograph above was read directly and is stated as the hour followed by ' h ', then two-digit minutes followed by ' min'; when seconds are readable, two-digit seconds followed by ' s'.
7 h 46 min 03 s
